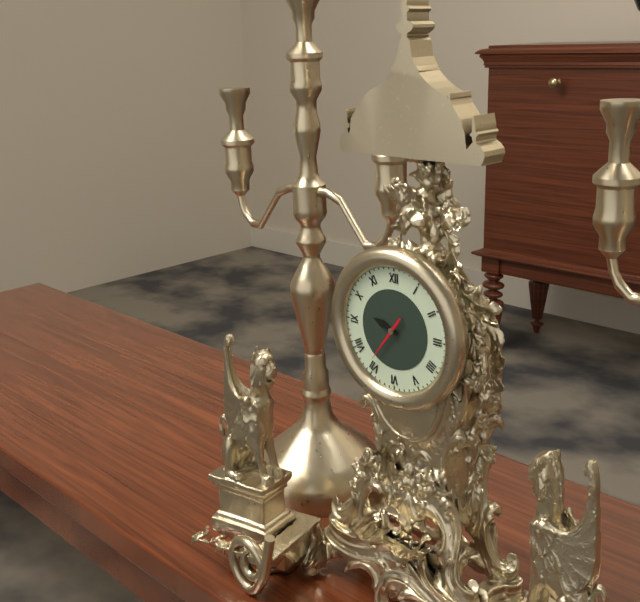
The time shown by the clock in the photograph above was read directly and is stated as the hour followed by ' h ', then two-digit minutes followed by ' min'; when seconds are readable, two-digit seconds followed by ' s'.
9 h 36 min
